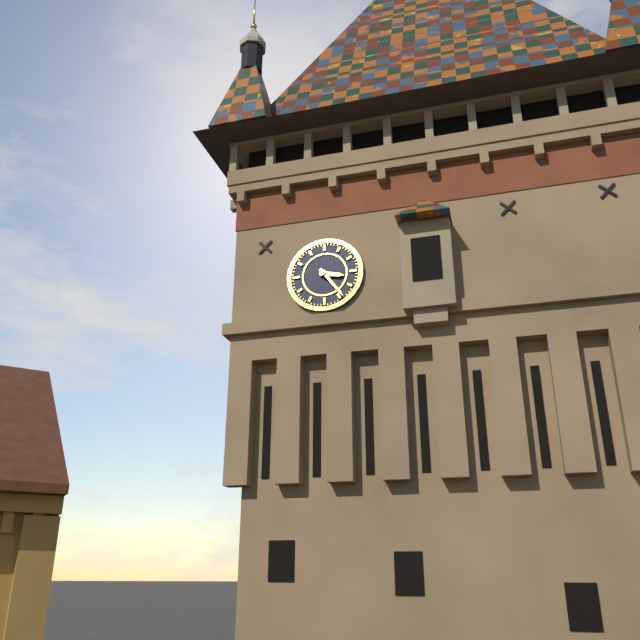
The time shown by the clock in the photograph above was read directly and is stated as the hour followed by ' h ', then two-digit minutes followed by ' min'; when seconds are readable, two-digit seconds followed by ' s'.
3 h 24 min
